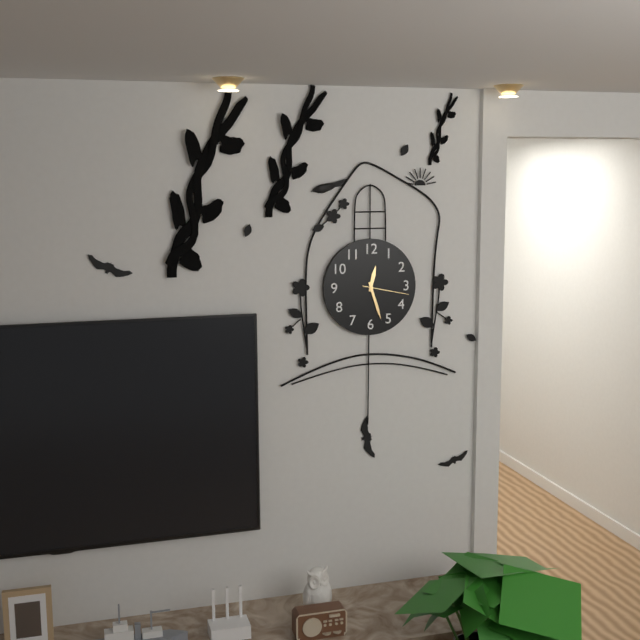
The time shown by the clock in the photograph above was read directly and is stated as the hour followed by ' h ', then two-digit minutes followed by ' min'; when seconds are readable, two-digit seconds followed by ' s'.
12 h 27 min 17 s
